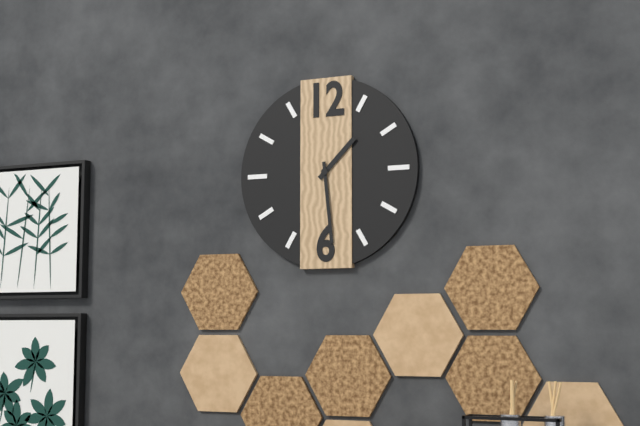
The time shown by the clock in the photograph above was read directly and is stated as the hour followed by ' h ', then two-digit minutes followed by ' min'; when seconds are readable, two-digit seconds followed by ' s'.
1 h 29 min
